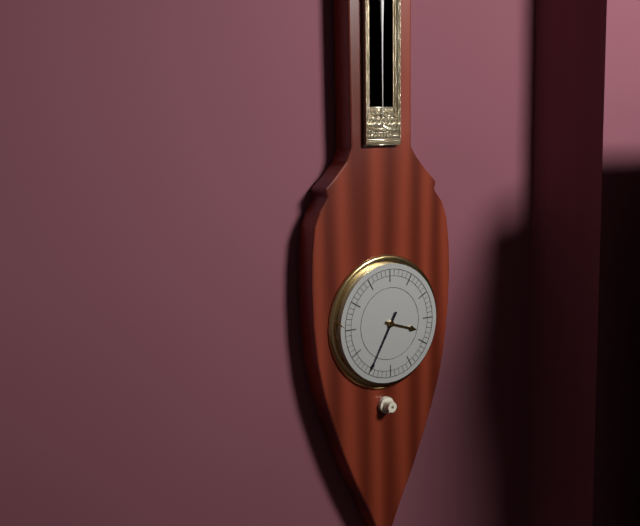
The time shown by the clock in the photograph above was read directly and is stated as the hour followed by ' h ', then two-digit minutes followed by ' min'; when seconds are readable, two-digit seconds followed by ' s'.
3 h 35 min
